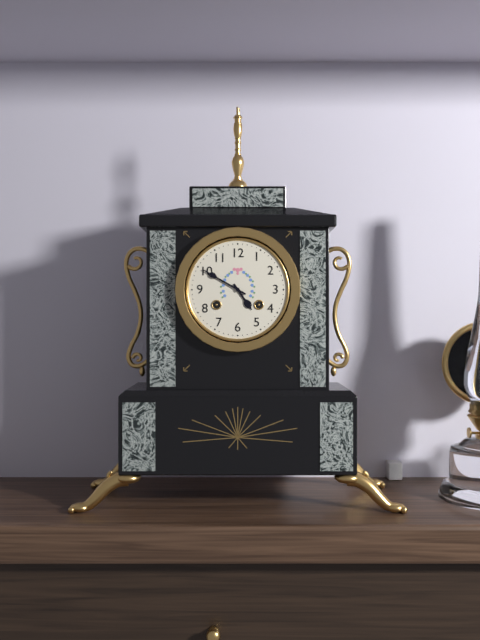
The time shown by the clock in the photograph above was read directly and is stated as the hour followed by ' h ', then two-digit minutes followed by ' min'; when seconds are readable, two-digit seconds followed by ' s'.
4 h 50 min
